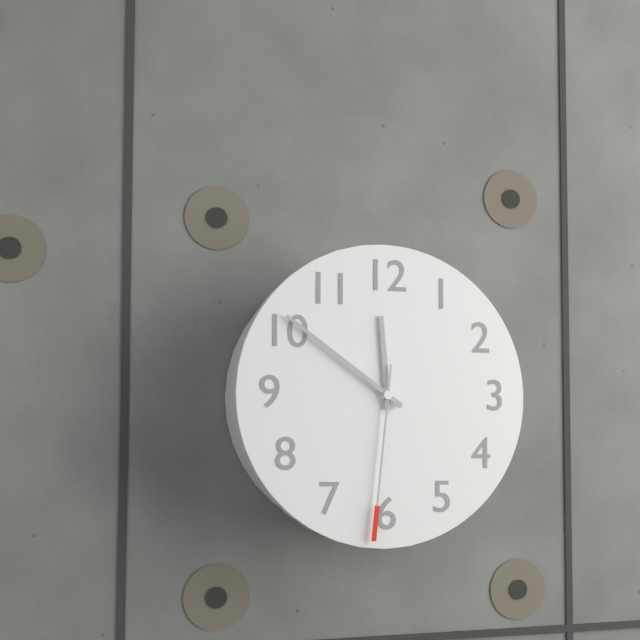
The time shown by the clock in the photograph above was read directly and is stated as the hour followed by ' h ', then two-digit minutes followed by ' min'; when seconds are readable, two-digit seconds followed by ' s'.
11 h 51 min 31 s
